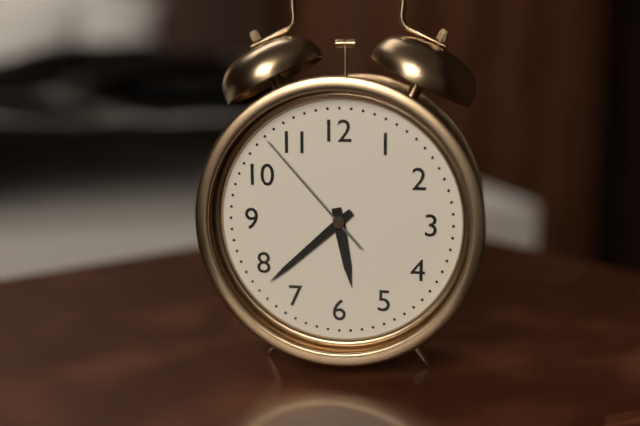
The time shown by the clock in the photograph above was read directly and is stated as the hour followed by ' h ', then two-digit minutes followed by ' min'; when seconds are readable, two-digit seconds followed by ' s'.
5 h 38 min 53 s
